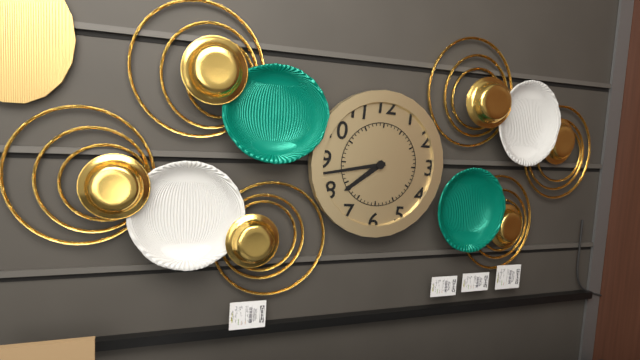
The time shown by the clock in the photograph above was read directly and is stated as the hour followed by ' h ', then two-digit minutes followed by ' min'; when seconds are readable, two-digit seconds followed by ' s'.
7 h 43 min
